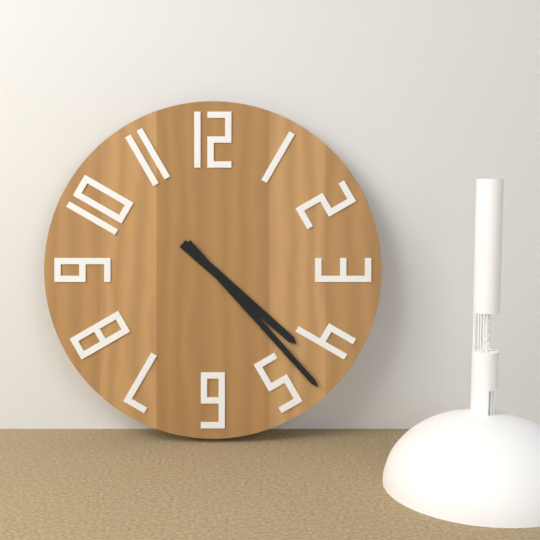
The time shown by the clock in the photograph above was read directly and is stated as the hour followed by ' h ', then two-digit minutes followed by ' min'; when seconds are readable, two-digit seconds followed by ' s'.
4 h 23 min
